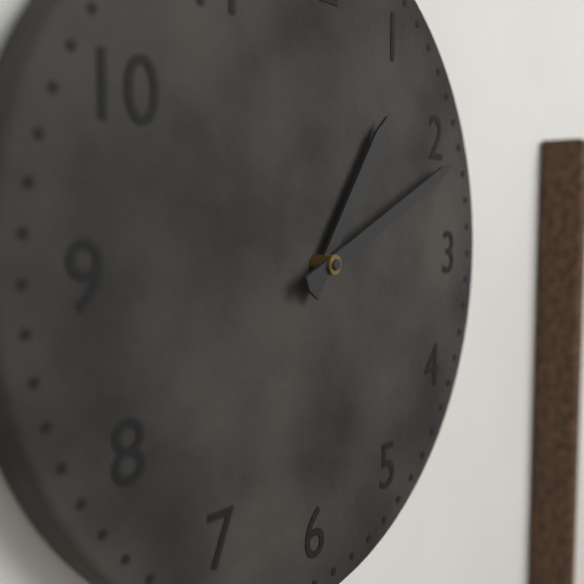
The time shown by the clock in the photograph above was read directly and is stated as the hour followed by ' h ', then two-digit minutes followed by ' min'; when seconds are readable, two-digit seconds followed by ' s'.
1 h 11 min
